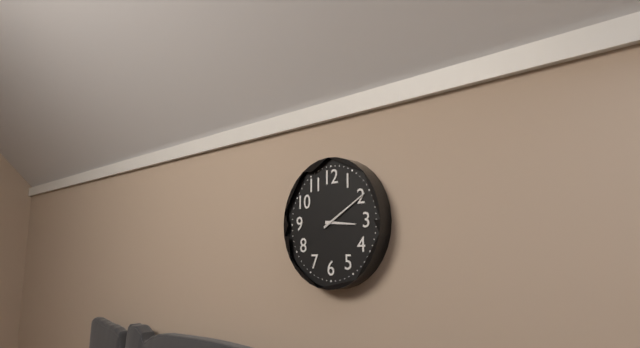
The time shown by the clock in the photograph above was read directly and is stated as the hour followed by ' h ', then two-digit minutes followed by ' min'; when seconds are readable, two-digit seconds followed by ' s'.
3 h 10 min
